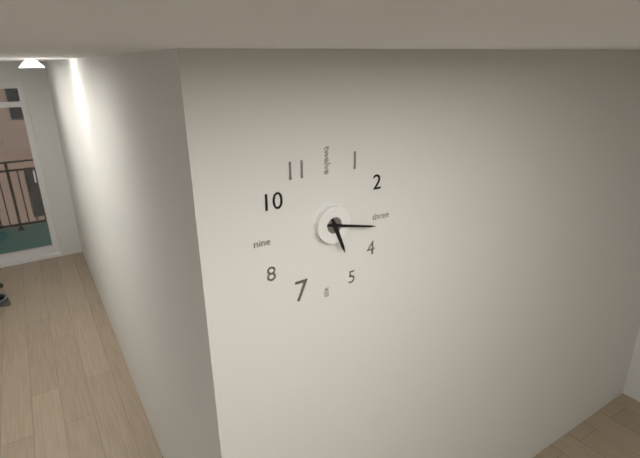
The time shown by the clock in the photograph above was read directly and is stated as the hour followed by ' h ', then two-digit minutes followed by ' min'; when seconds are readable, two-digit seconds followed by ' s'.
5 h 17 min
